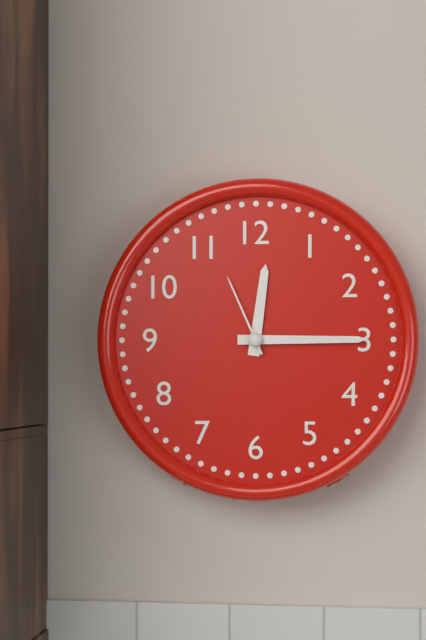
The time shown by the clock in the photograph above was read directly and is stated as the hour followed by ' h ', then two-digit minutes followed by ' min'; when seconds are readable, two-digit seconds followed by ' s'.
12 h 15 min 56 s
